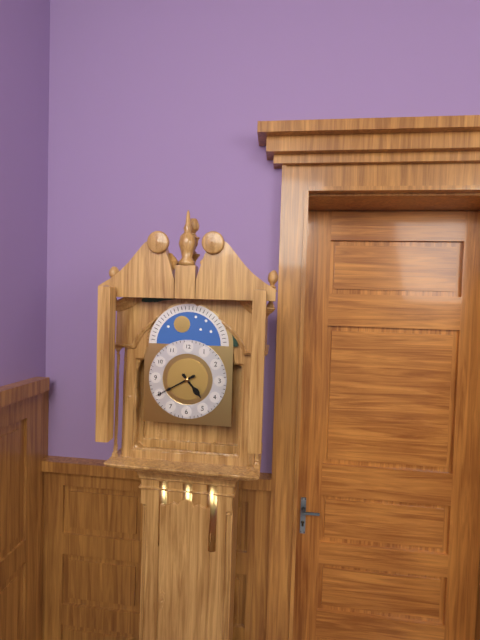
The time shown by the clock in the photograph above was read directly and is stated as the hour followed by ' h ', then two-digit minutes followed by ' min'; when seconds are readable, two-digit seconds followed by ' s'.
4 h 40 min
